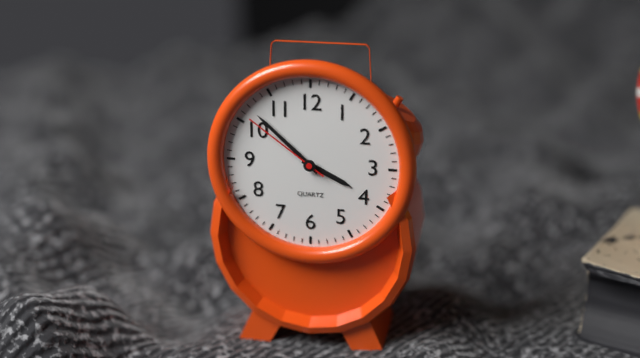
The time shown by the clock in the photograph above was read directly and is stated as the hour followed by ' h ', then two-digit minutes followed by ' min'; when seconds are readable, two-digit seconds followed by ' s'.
3 h 52 min 51 s
